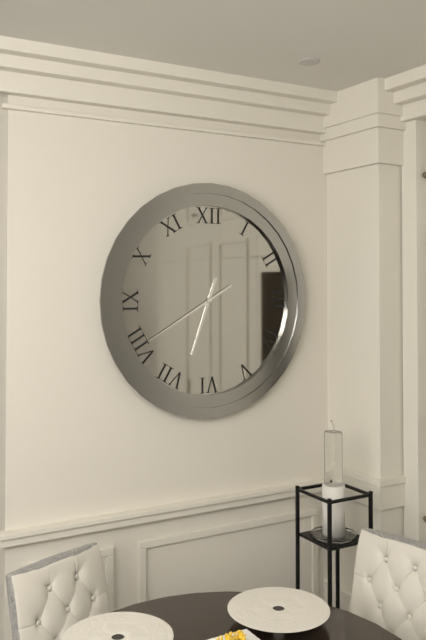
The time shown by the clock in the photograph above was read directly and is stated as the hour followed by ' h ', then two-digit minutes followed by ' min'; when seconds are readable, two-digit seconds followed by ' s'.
6 h 40 min
